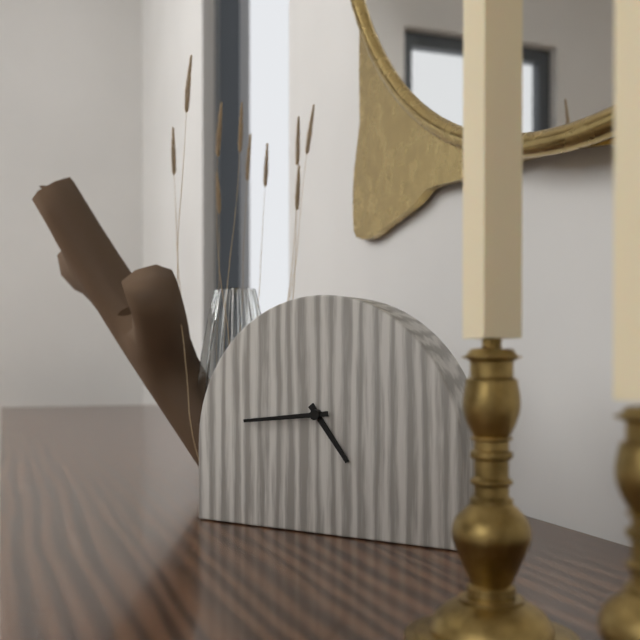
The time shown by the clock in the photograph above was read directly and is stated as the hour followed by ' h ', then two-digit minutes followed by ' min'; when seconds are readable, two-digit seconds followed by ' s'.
4 h 44 min
